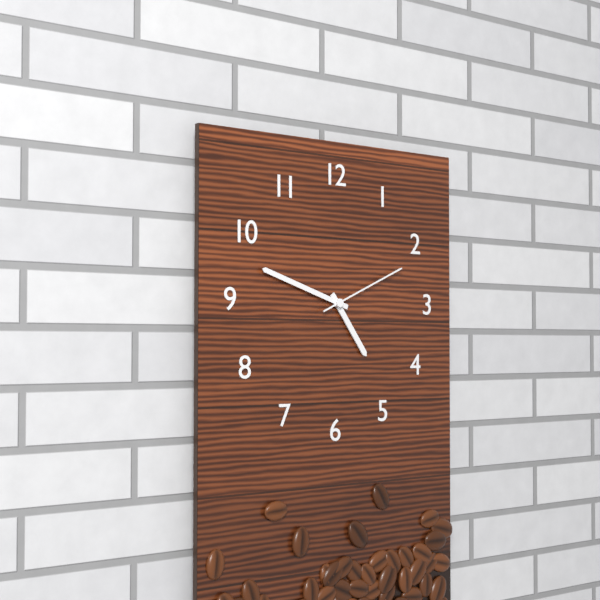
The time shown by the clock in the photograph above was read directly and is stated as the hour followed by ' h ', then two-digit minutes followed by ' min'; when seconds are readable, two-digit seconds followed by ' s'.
4 h 48 min 11 s
